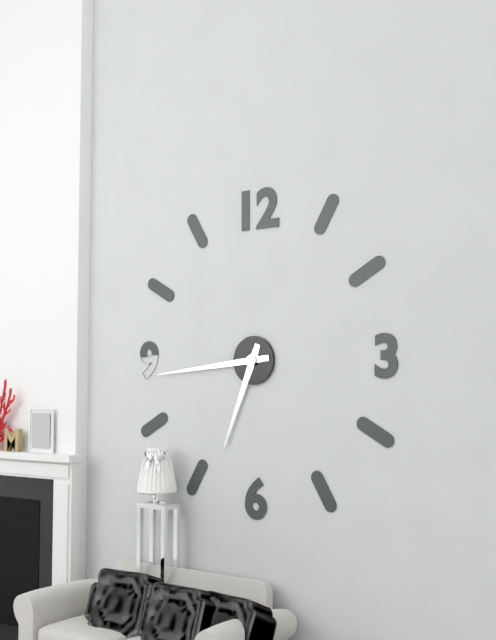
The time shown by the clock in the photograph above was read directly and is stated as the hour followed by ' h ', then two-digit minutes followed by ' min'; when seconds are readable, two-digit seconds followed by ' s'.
6 h 44 min
